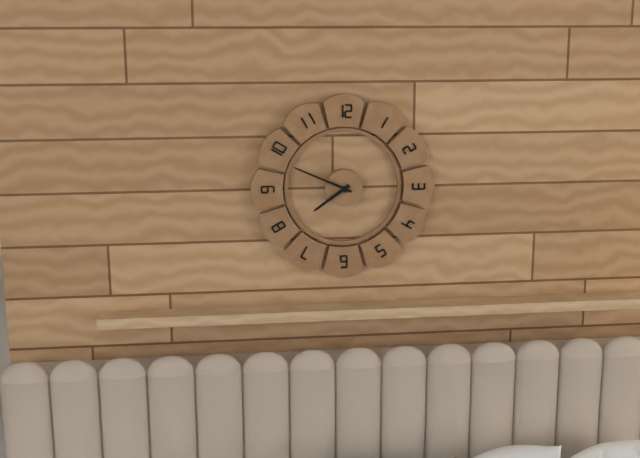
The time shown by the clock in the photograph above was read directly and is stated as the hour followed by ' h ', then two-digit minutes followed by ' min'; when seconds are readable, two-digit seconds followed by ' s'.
7 h 49 min
